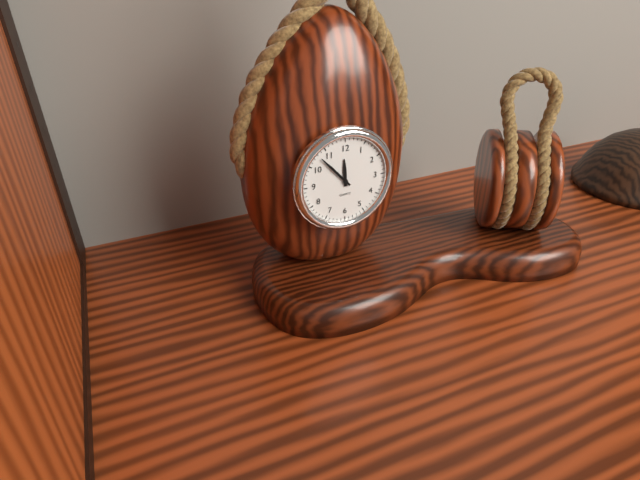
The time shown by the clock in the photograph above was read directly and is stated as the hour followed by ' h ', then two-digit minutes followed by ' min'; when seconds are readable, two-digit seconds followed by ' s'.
11 h 53 min
